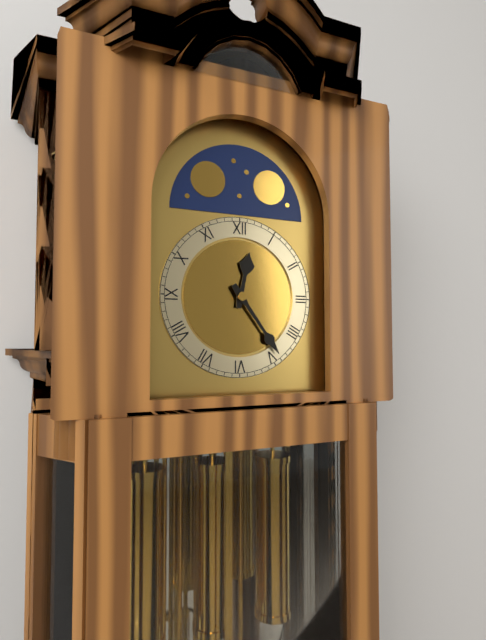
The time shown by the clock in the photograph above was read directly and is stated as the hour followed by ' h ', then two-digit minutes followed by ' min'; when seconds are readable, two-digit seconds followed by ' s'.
12 h 24 min
